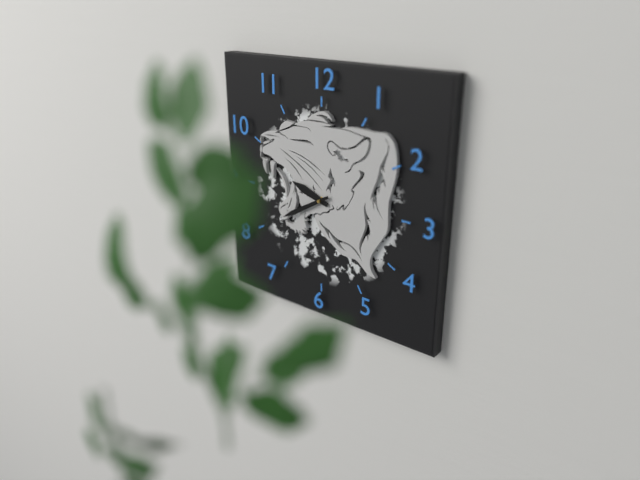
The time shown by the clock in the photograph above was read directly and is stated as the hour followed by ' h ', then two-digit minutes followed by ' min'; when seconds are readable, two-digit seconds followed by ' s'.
9 h 40 min
